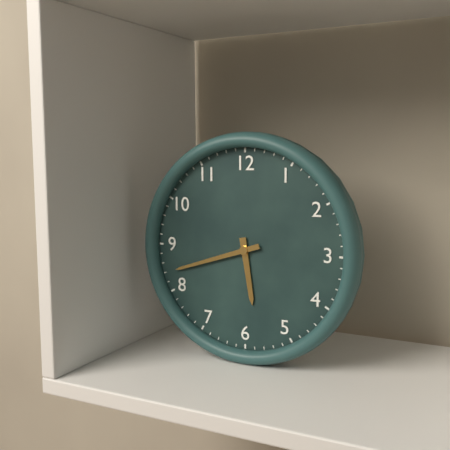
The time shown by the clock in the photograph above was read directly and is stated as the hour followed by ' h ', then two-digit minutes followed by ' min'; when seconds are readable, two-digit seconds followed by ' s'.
5 h 42 min
